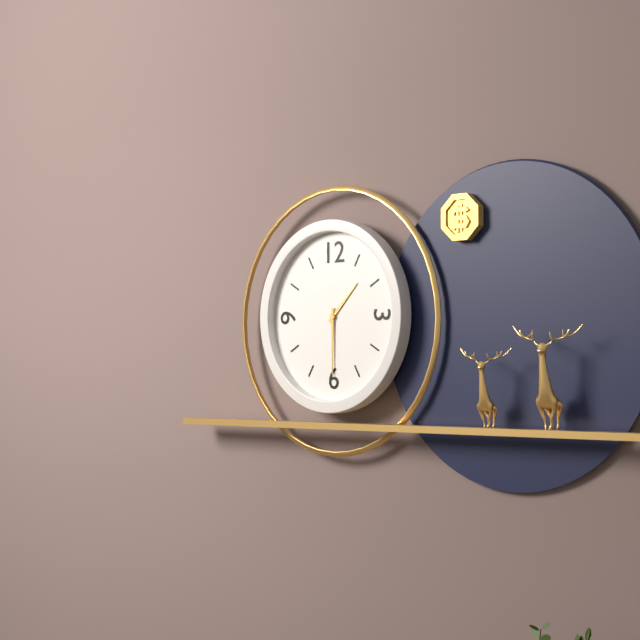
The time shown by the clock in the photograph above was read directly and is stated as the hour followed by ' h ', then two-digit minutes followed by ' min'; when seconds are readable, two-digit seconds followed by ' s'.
1 h 30 min
